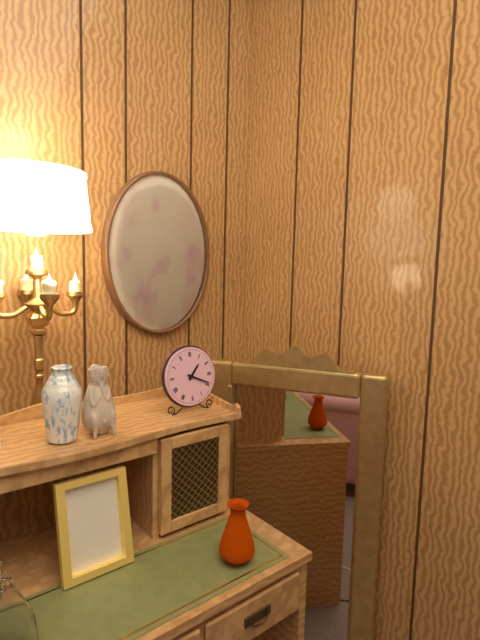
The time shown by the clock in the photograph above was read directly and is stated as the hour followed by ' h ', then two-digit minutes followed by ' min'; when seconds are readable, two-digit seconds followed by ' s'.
1 h 19 min
